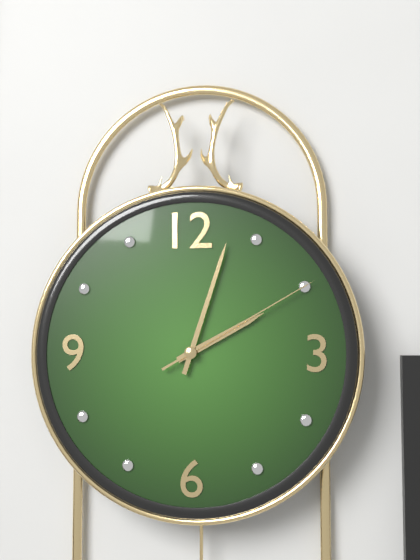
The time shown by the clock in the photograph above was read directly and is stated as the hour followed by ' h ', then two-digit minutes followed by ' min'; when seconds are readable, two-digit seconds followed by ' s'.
2 h 03 min 10 s
